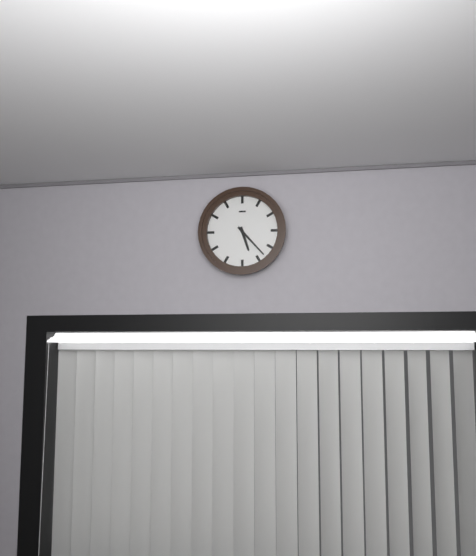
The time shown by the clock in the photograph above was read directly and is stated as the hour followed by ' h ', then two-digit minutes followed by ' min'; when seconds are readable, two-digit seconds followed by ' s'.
5 h 23 min
